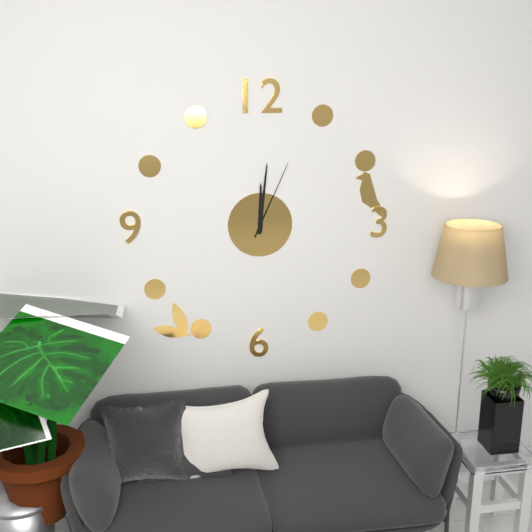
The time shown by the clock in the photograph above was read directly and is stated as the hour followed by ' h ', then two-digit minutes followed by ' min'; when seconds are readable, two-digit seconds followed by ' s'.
12 h 01 min 04 s
